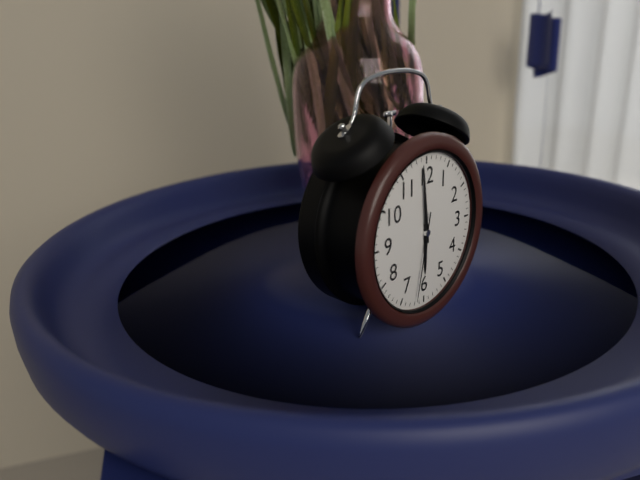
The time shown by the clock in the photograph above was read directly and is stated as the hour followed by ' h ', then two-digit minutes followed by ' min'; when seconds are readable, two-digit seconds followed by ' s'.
5 h 59 min 32 s
